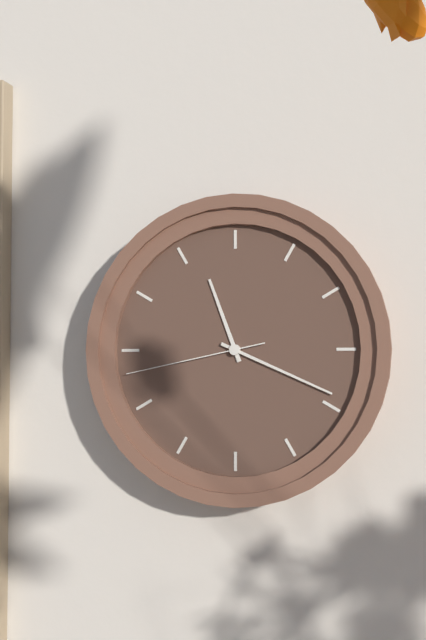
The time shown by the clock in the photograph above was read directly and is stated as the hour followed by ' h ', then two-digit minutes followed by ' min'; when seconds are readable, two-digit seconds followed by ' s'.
11 h 19 min 43 s
